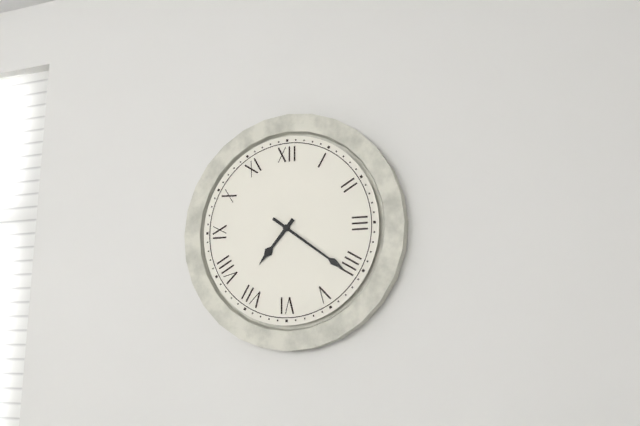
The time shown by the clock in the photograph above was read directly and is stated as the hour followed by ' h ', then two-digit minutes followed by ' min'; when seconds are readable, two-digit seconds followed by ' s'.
7 h 21 min
